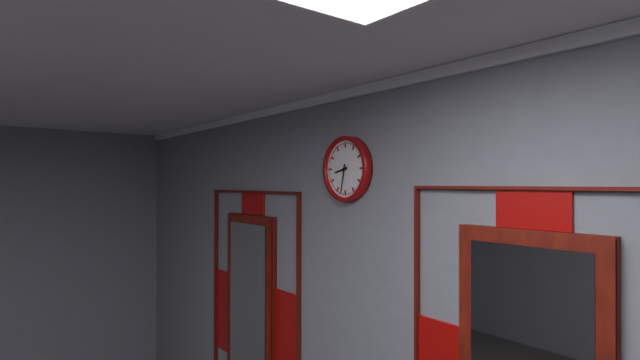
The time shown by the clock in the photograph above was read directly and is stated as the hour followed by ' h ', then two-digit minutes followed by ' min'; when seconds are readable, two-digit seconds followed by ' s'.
8 h 32 min
